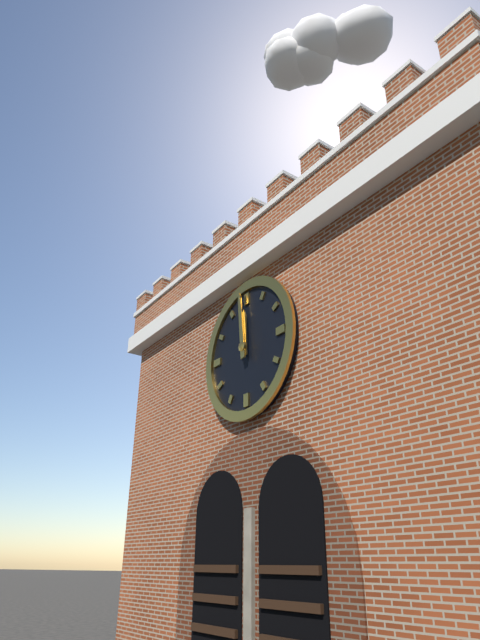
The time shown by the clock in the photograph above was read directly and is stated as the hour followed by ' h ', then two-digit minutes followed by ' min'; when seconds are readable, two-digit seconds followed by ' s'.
11 h 59 min
